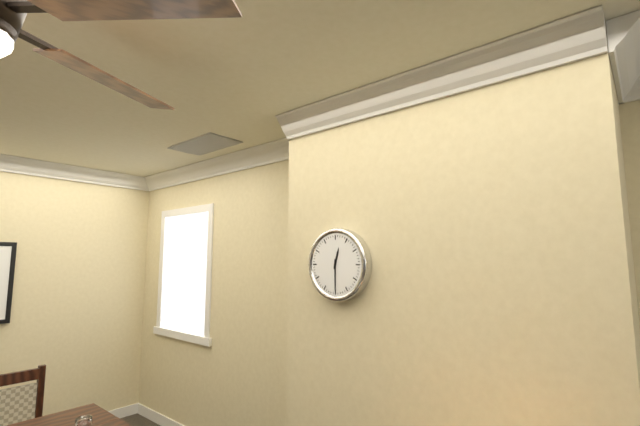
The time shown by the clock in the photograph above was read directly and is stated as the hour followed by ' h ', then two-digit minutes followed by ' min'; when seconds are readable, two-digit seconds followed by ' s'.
12 h 30 min
